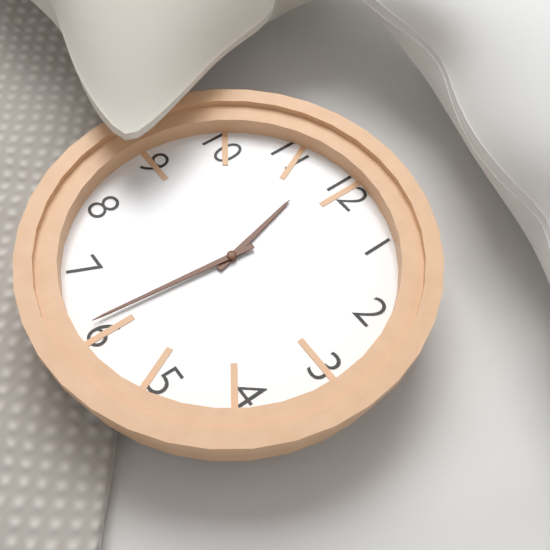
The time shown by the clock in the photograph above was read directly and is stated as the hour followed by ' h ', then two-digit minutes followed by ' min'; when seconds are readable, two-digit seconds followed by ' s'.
11 h 31 min
